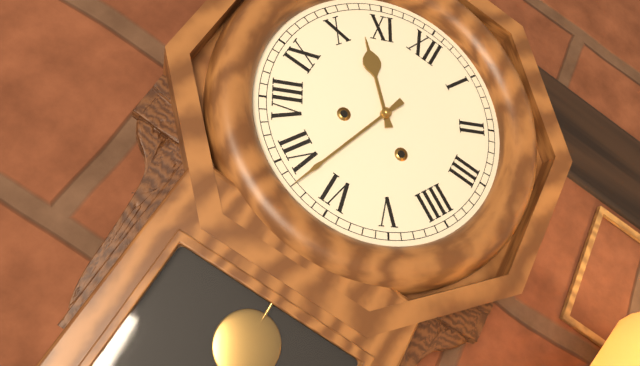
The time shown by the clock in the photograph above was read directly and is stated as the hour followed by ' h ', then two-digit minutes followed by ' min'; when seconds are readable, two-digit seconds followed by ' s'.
10 h 33 min
